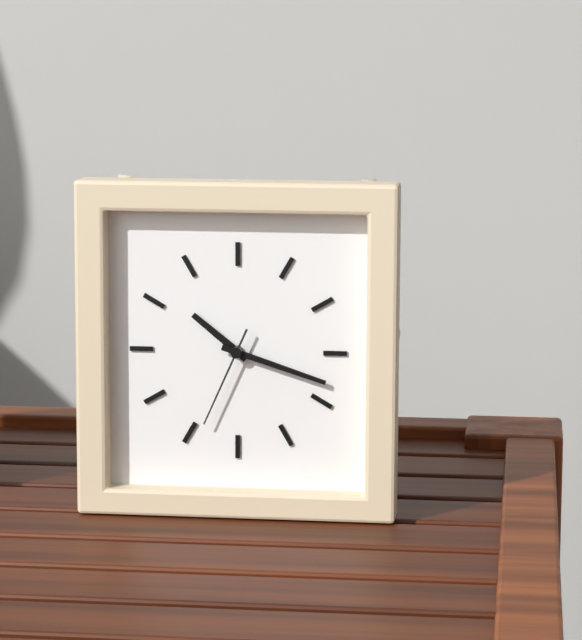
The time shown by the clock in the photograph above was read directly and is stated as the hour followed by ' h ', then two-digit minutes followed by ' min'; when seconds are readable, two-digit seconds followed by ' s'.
10 h 18 min 34 s
